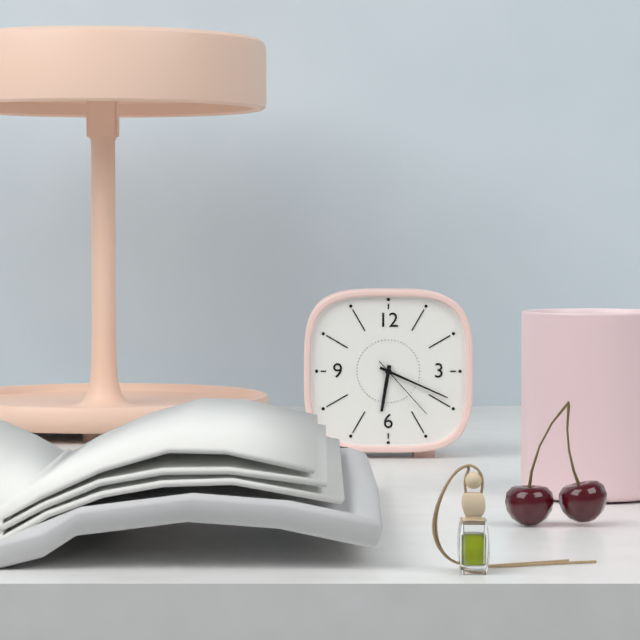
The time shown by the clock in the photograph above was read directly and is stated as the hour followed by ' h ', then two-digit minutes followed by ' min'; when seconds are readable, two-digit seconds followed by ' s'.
6 h 19 min 23 s
